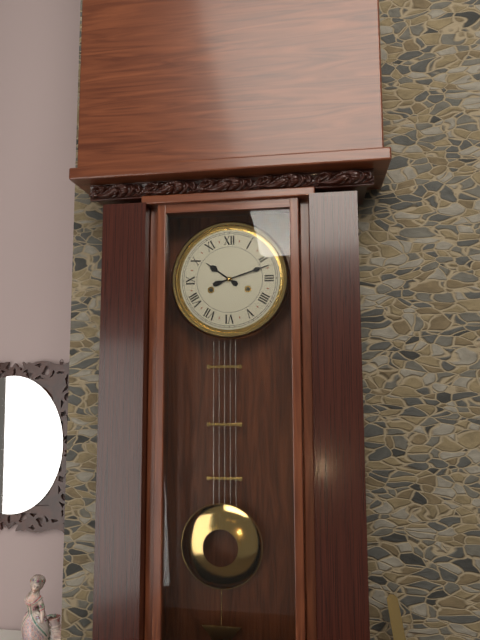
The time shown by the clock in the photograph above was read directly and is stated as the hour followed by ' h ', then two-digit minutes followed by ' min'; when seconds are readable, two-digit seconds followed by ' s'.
10 h 12 min
